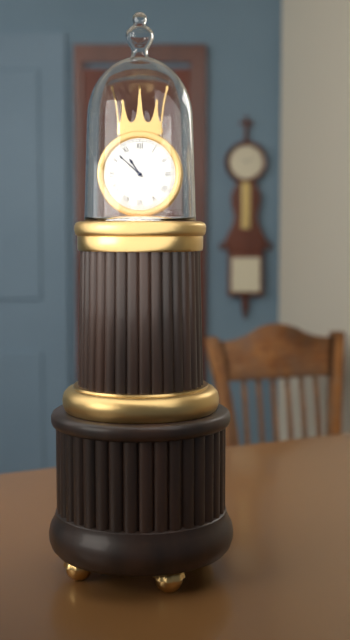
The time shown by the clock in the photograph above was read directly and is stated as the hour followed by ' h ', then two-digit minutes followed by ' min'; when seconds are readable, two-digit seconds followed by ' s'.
10 h 52 min
